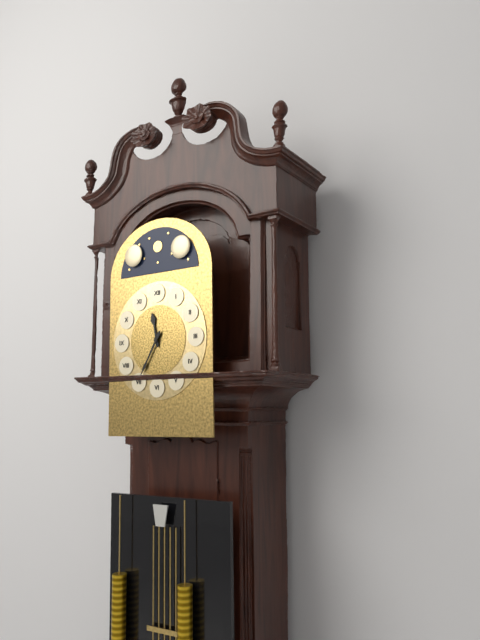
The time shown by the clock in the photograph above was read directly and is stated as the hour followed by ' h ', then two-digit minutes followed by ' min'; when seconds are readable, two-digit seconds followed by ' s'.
11 h 35 min
